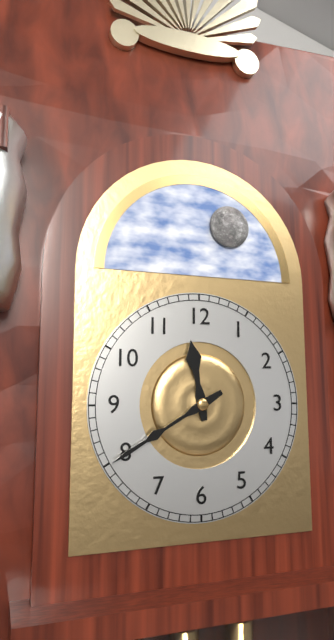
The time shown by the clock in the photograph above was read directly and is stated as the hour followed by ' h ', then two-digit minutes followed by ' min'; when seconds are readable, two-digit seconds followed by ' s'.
11 h 40 min
